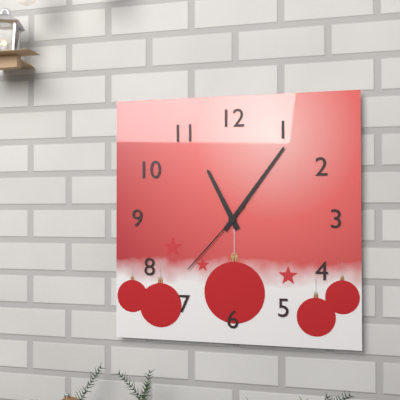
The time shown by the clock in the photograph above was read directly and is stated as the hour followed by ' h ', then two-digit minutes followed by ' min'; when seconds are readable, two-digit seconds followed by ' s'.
11 h 06 min 37 s
